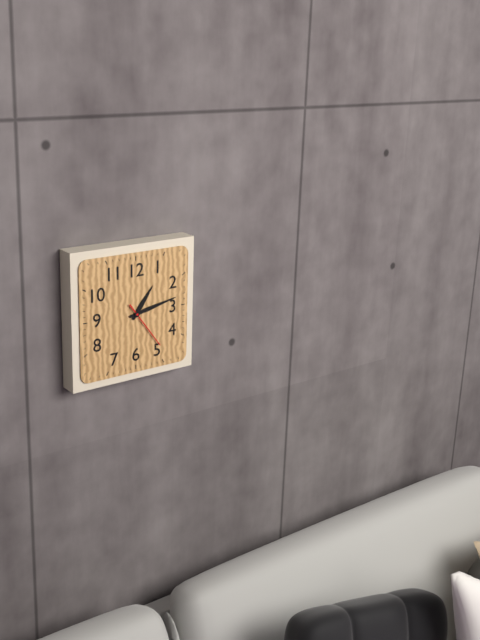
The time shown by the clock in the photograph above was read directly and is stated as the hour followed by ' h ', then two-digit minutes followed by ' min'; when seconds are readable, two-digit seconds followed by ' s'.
1 h 13 min 24 s
